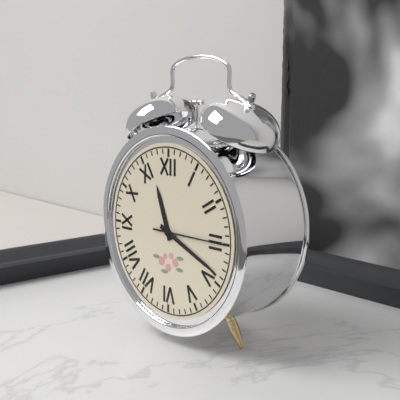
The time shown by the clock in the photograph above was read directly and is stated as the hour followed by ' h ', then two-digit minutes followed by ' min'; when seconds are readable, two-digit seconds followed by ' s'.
11 h 19 min 15 s
